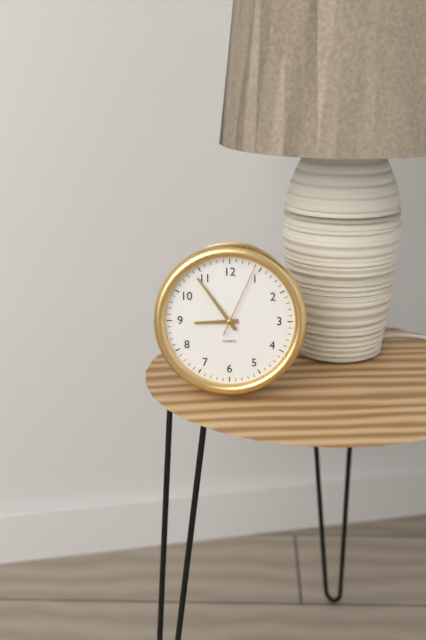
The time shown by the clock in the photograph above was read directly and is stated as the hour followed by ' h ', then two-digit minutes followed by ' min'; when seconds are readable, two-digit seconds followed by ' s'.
8 h 54 min 04 s
